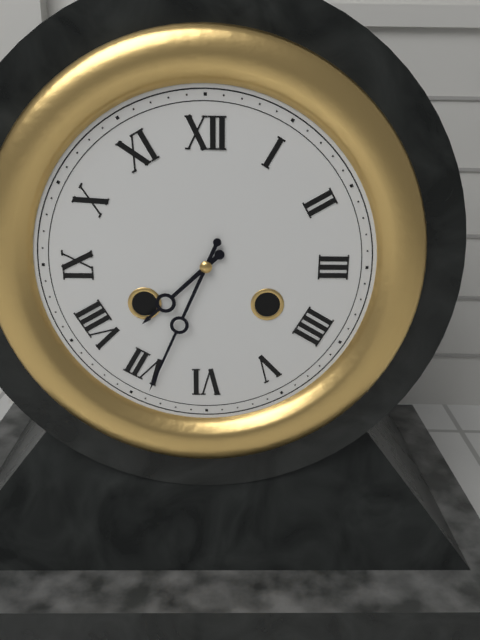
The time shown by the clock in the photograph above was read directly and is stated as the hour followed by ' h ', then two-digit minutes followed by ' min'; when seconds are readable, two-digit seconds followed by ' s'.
7 h 34 min
